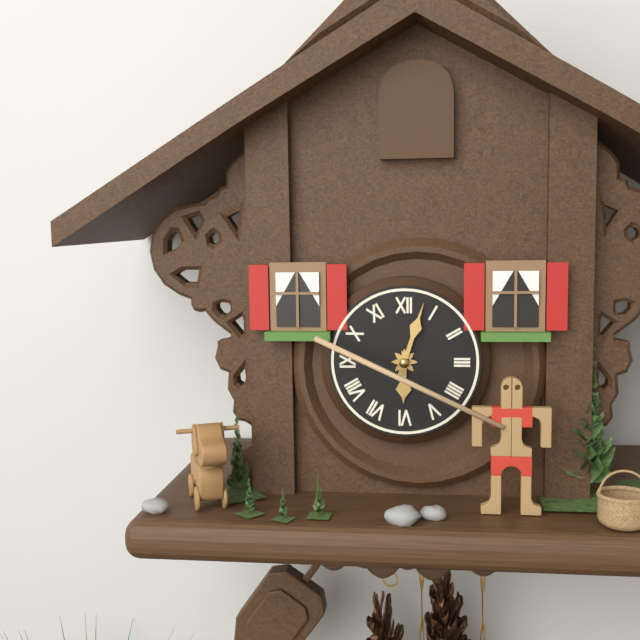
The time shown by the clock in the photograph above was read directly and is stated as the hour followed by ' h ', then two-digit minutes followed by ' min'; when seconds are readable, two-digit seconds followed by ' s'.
6 h 03 min
